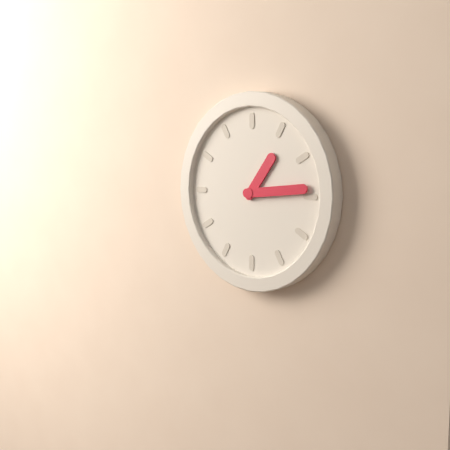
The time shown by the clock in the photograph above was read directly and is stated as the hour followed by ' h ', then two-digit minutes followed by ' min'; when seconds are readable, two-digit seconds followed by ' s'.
1 h 14 min
